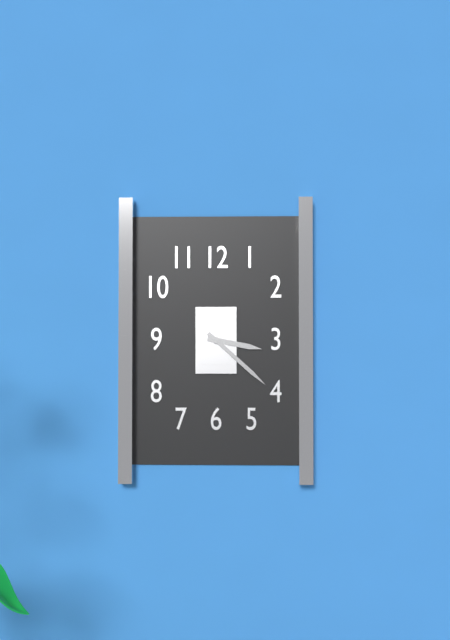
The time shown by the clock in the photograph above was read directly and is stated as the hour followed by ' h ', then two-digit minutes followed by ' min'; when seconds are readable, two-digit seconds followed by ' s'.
3 h 22 min
